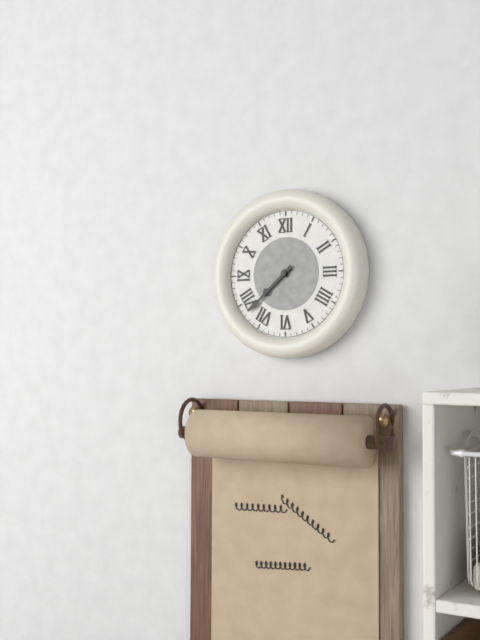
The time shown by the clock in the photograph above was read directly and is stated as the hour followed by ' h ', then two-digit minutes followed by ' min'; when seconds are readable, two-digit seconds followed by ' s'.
7 h 38 min
